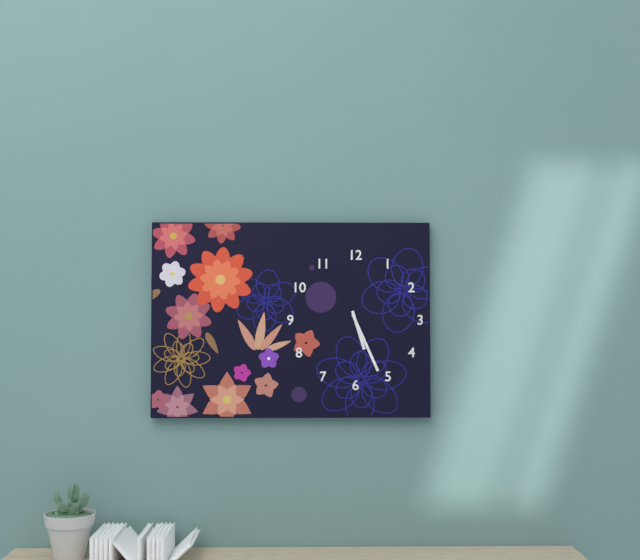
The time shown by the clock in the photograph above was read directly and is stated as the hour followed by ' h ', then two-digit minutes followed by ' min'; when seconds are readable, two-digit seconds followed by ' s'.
5 h 26 min
